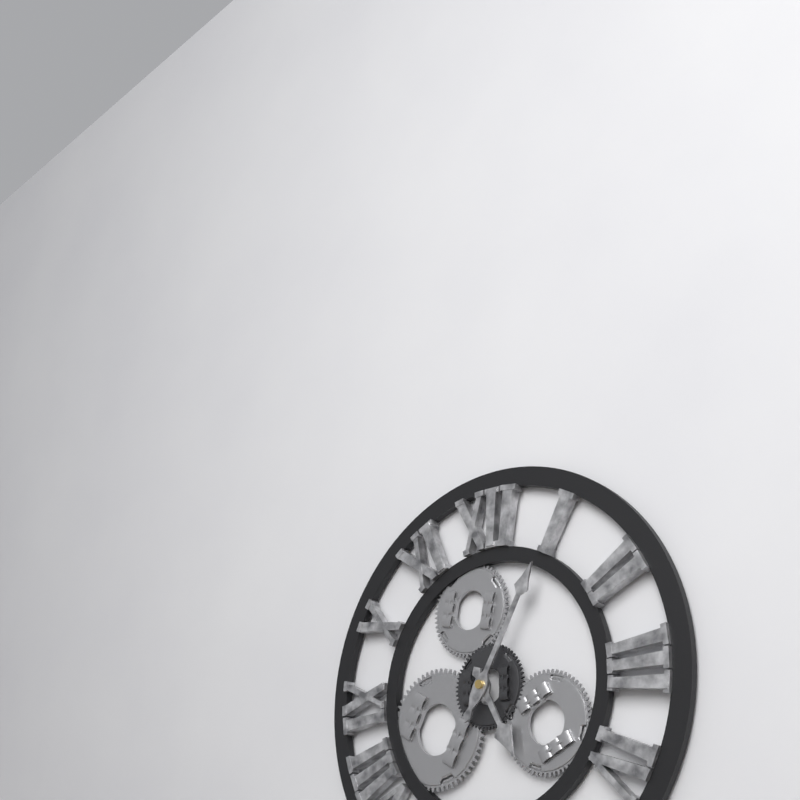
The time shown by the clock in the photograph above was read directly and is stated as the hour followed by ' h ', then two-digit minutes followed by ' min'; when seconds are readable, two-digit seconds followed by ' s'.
5 h 05 min
